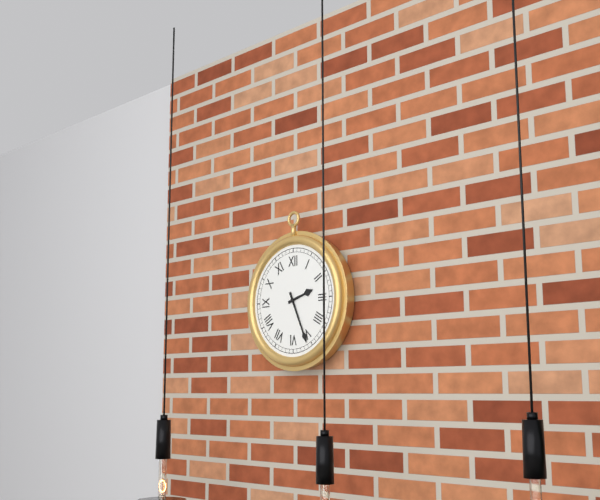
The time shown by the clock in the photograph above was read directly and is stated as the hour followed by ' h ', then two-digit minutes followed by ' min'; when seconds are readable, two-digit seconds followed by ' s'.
2 h 26 min
